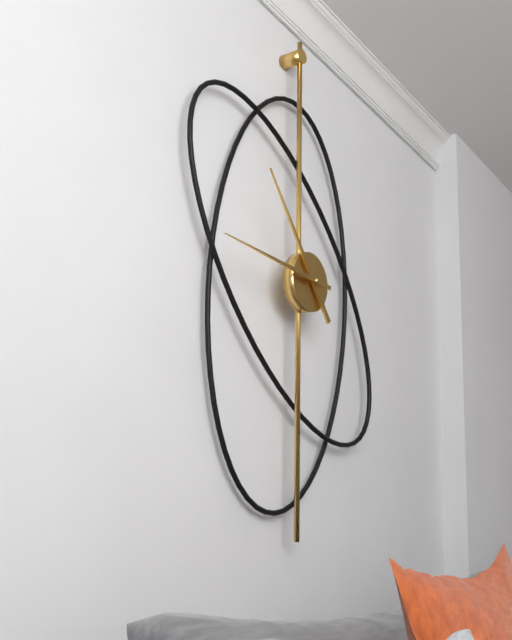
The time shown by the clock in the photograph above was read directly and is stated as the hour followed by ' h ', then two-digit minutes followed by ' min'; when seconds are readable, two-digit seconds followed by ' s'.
10 h 46 min
